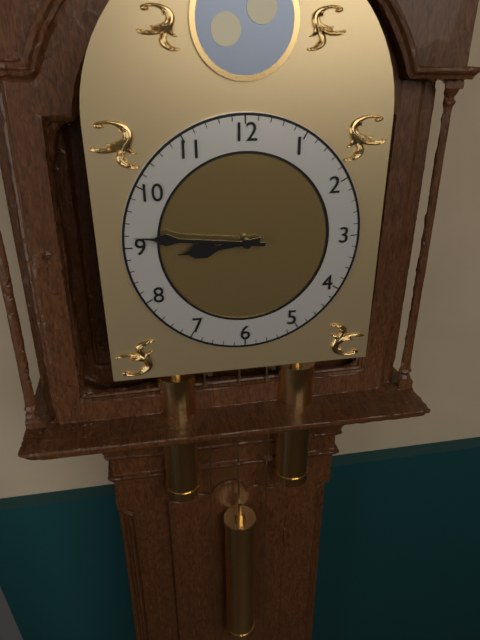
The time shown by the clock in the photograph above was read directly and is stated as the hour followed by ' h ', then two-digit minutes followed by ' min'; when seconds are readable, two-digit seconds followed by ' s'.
8 h 46 min
